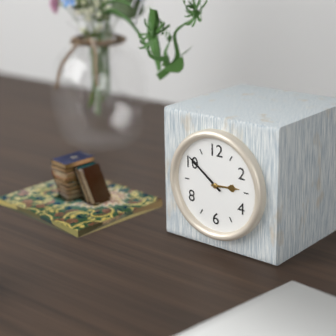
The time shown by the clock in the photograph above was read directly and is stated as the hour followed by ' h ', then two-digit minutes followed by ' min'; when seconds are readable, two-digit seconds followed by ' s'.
2 h 51 min
